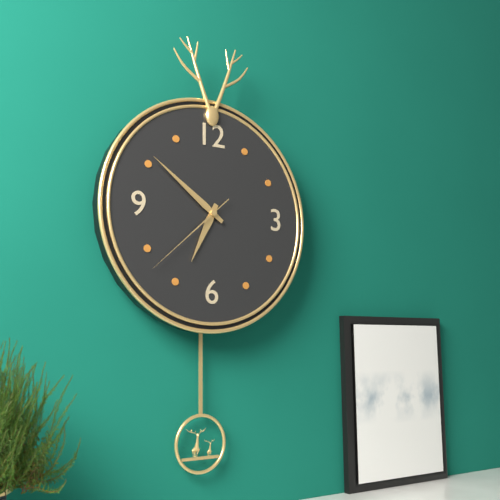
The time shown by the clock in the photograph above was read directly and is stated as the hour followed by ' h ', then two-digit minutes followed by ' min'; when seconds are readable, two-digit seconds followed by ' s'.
6 h 51 min 38 s
